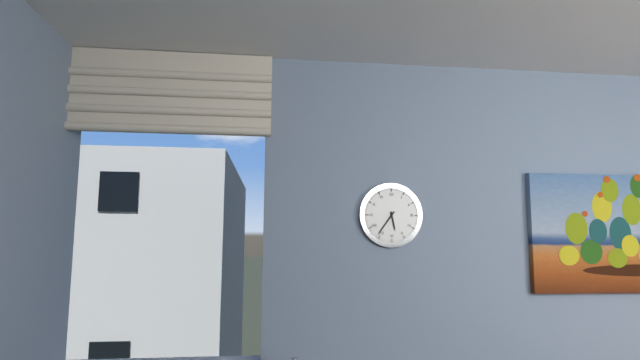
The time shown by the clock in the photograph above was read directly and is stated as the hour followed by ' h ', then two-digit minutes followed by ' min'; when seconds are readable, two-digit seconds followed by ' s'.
5 h 36 min
